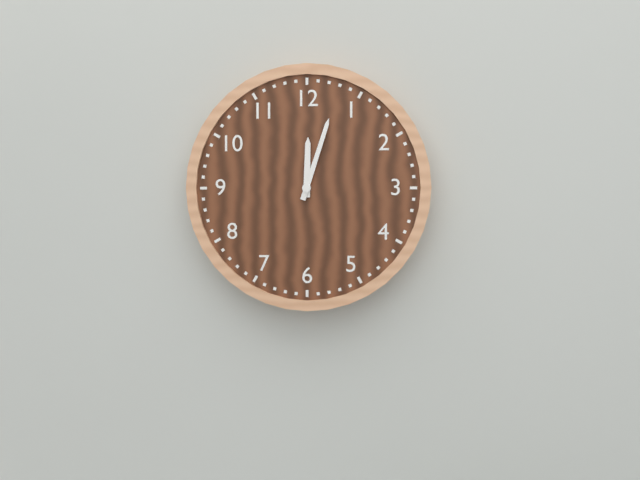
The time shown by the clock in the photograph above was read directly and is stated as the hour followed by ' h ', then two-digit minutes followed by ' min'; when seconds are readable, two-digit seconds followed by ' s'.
12 h 03 min
